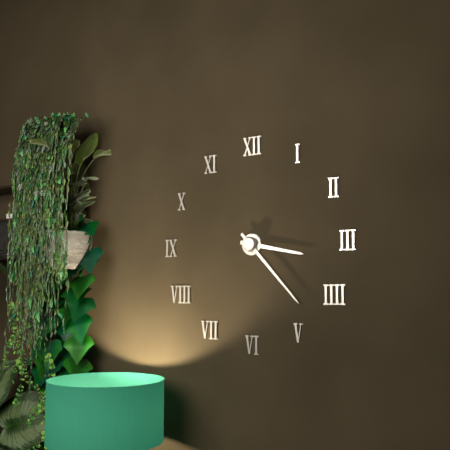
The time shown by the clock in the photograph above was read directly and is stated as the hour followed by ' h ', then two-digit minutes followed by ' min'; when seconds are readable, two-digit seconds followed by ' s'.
3 h 23 min
